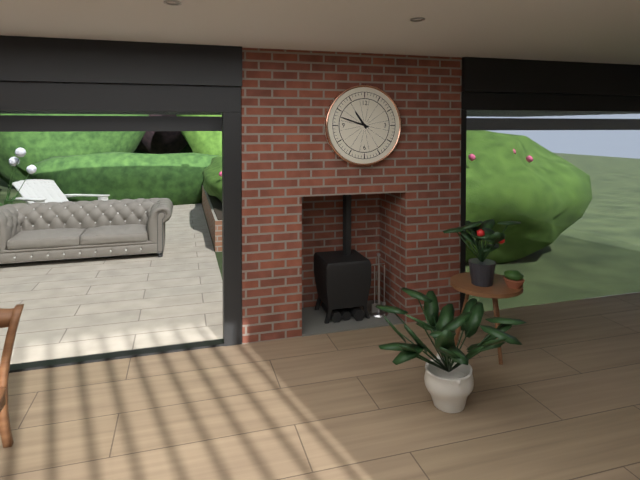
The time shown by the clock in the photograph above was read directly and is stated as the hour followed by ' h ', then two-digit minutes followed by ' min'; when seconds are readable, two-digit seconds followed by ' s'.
10 h 48 min
